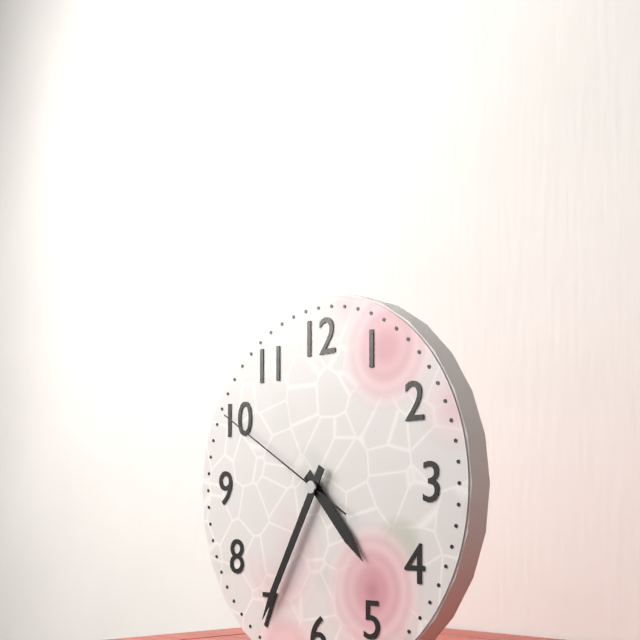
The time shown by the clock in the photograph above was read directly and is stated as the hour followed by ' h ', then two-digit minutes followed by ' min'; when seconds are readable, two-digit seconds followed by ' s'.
4 h 35 min 50 s
